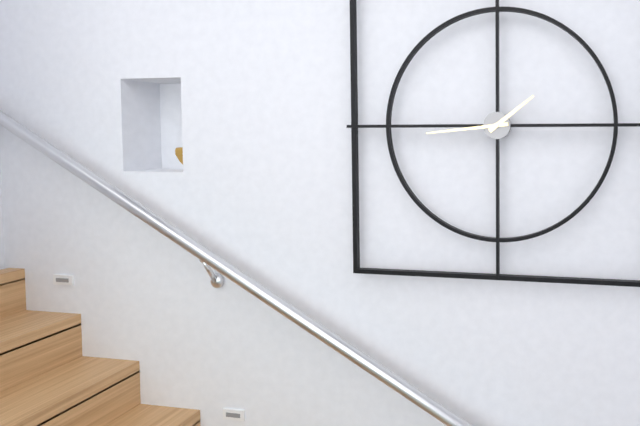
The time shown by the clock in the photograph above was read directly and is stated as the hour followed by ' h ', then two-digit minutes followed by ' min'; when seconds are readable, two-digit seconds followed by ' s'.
1 h 44 min
